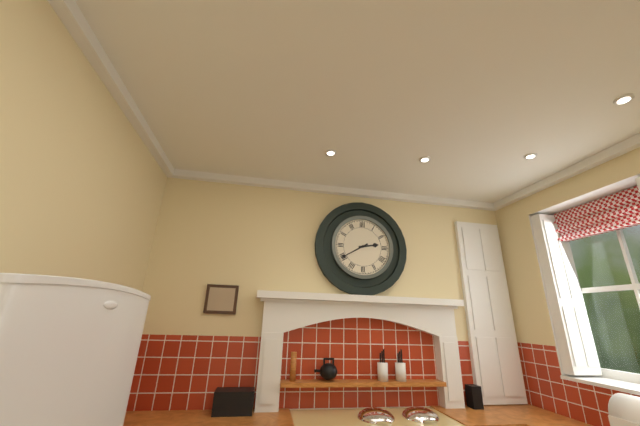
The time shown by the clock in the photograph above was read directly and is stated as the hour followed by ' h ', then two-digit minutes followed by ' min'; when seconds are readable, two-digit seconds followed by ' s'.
2 h 40 min
